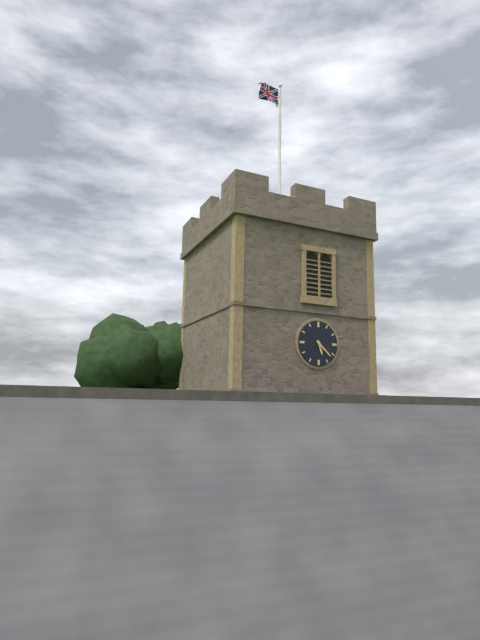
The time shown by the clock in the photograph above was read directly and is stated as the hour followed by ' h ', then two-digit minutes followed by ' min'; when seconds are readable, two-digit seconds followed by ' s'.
5 h 22 min
